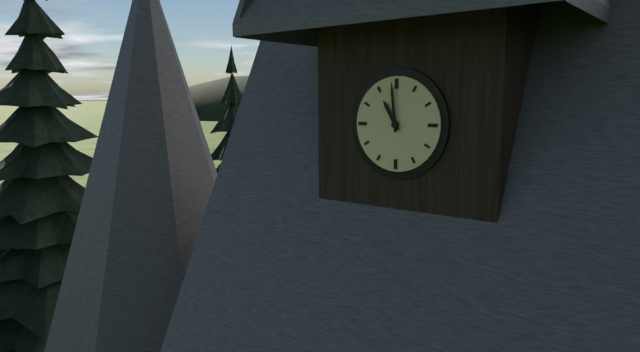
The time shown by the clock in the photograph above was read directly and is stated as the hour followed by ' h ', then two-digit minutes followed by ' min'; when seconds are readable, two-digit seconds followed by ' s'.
10 h 59 min
